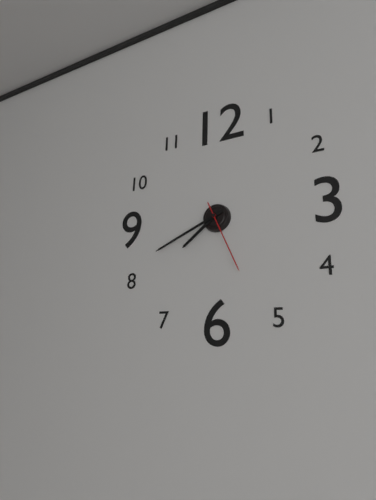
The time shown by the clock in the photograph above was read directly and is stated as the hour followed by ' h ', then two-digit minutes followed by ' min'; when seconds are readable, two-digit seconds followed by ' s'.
7 h 41 min 26 s
